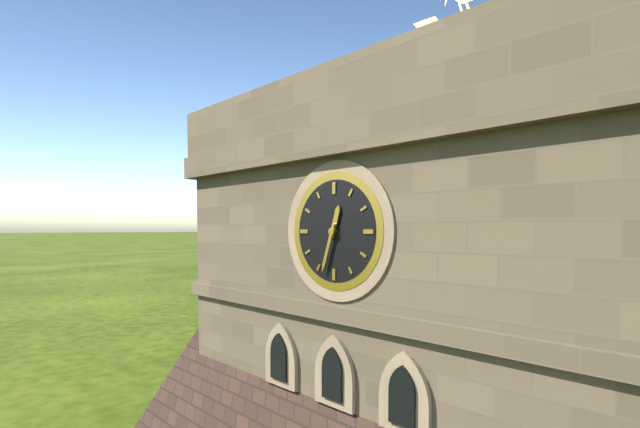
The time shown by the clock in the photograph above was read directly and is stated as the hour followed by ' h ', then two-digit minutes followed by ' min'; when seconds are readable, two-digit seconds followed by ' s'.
12 h 33 min
